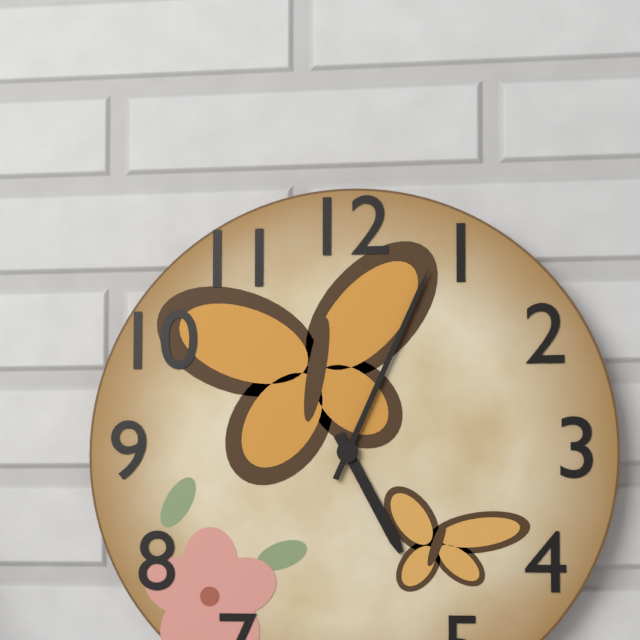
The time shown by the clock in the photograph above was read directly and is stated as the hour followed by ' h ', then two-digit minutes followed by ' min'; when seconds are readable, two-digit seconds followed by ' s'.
5 h 04 min
